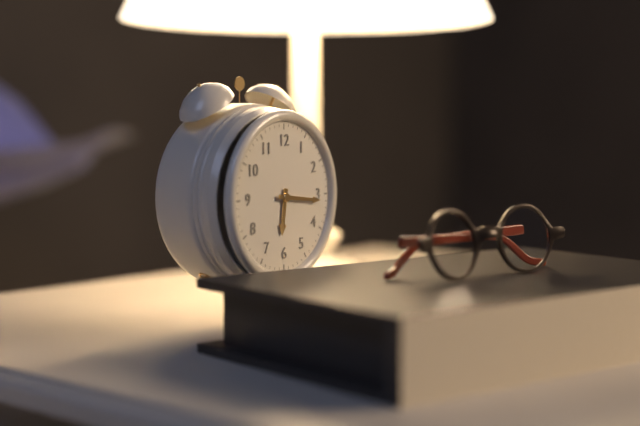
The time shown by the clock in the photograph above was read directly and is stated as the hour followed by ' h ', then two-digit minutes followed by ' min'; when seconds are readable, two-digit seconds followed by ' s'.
6 h 16 min
